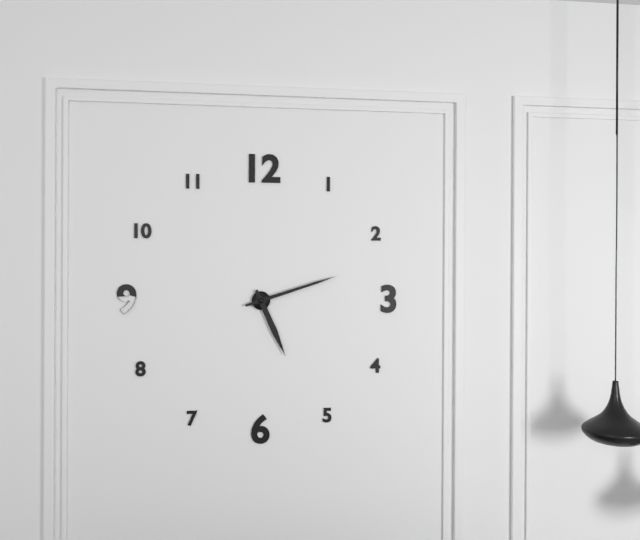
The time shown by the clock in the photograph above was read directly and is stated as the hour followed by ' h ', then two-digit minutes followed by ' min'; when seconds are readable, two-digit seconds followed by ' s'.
5 h 12 min
